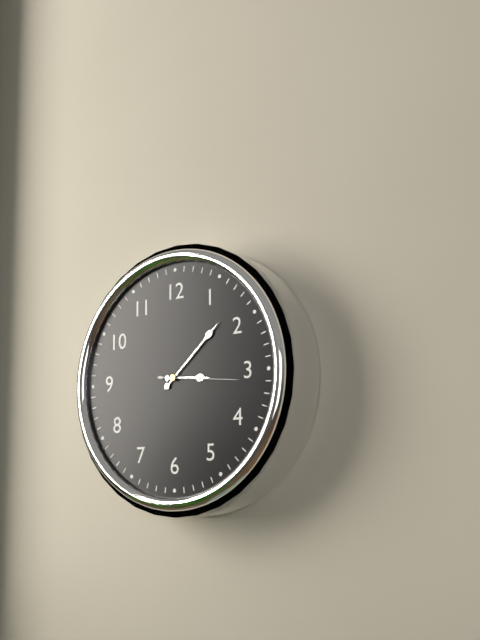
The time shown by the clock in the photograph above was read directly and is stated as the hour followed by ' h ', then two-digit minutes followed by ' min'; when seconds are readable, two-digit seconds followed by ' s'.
3 h 08 min 16 s
